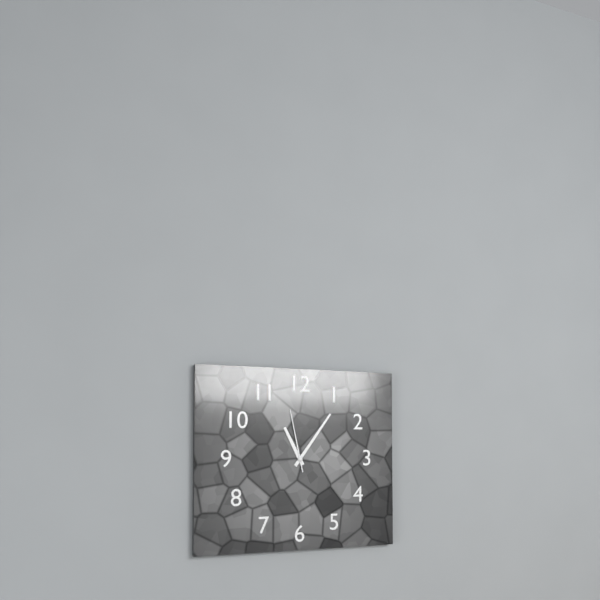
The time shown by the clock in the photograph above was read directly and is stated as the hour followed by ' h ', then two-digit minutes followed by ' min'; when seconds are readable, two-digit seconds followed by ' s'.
11 h 06 min 58 s
